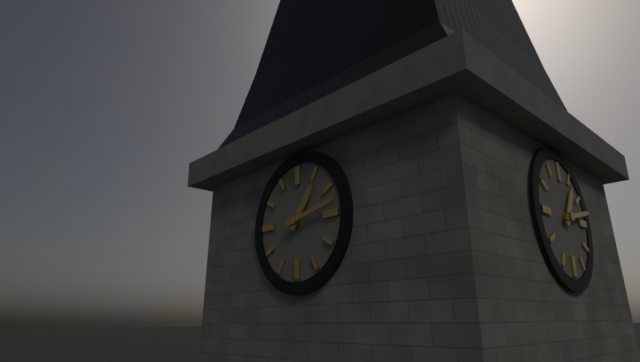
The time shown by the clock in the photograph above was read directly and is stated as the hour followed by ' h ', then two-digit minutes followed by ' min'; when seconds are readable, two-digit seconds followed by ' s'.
1 h 13 min
